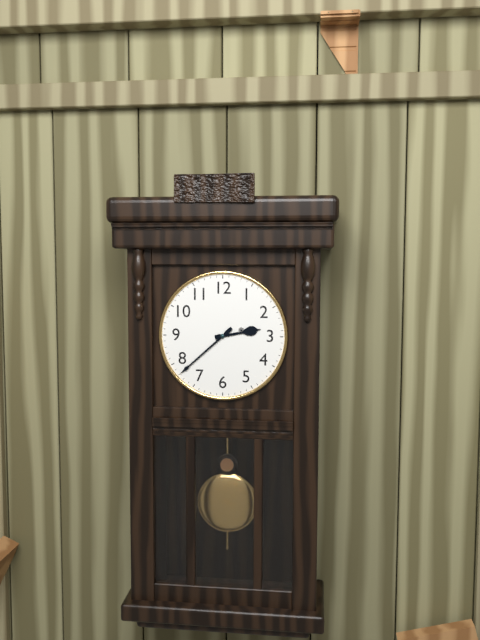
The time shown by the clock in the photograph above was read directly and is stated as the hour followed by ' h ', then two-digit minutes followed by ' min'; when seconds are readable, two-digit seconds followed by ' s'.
2 h 38 min
